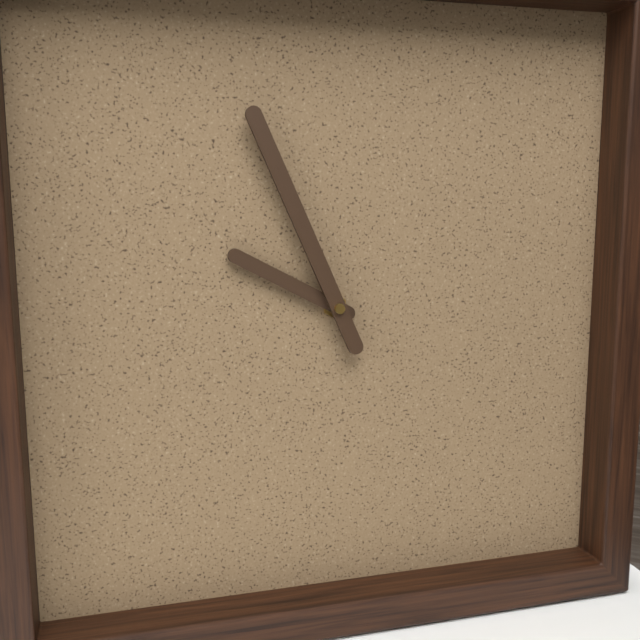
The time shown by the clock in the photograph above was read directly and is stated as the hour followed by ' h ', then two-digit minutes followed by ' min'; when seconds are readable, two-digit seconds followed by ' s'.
9 h 56 min
